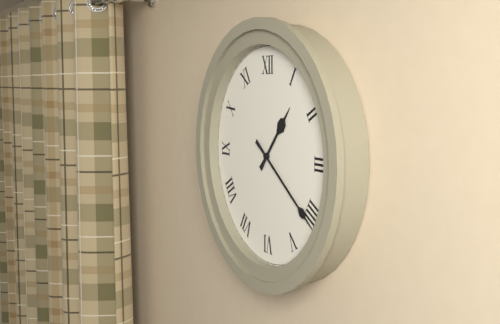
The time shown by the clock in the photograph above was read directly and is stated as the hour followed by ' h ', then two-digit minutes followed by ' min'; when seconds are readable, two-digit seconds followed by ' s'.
1 h 21 min
